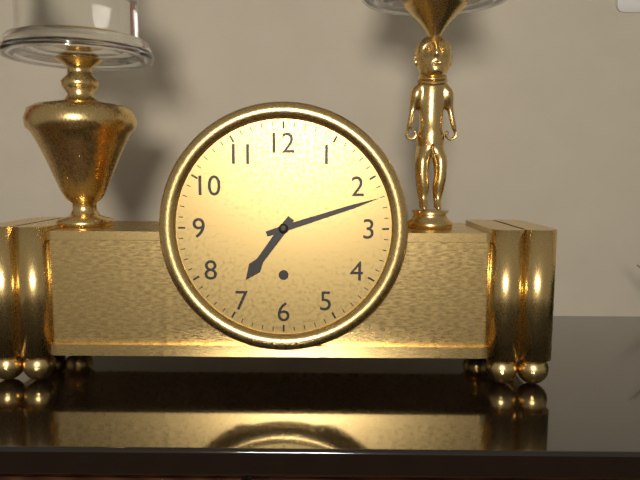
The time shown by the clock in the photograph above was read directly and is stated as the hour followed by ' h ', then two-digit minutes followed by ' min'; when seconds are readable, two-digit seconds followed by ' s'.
7 h 12 min
